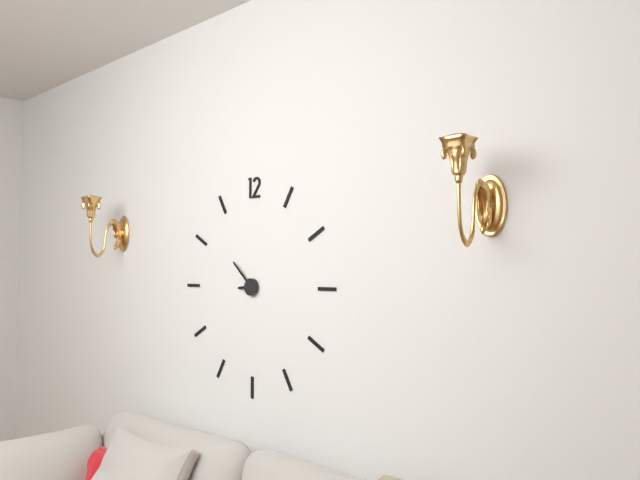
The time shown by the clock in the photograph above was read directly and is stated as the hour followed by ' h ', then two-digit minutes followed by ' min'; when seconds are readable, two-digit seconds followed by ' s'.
8 h 52 min
